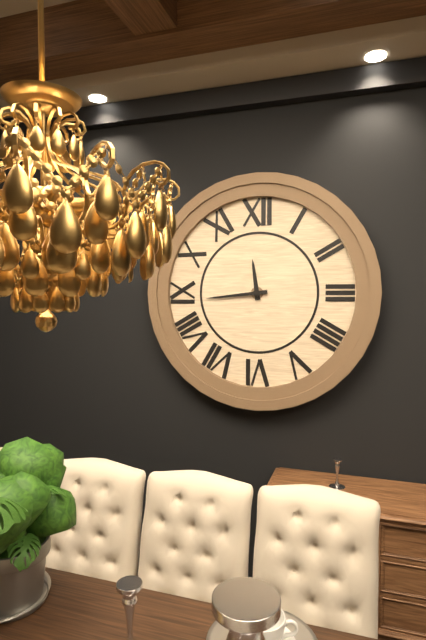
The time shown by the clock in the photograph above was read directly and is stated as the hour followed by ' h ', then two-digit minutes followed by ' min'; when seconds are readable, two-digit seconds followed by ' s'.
11 h 44 min
